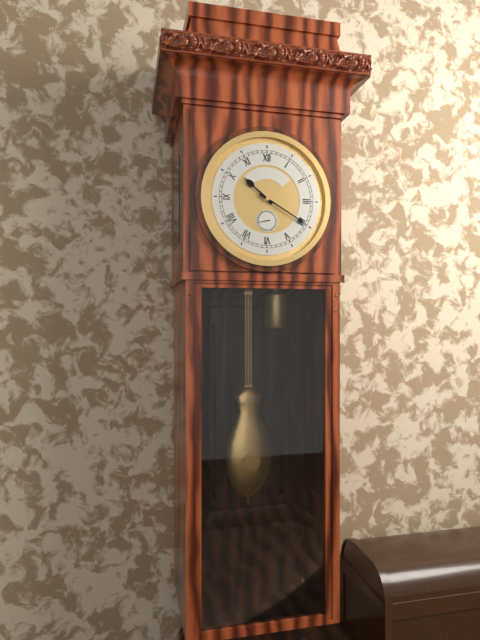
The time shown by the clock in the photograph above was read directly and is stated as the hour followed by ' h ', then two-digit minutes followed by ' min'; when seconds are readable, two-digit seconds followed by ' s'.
10 h 20 min
